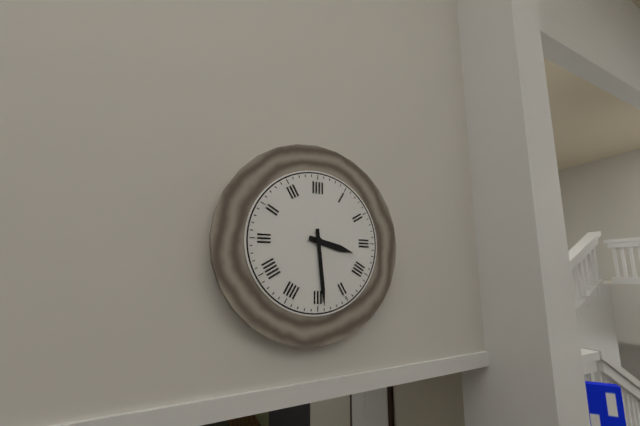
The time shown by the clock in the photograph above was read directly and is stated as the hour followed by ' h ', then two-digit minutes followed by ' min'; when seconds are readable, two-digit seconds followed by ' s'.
3 h 29 min
